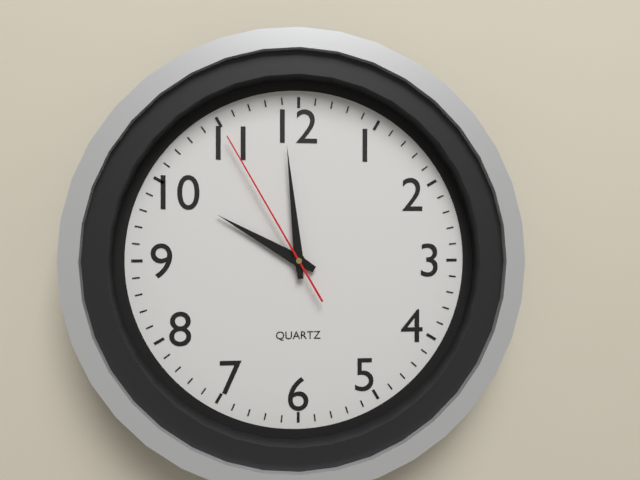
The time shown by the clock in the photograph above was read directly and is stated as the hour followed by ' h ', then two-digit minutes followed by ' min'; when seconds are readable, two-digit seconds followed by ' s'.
9 h 59 min 55 s
